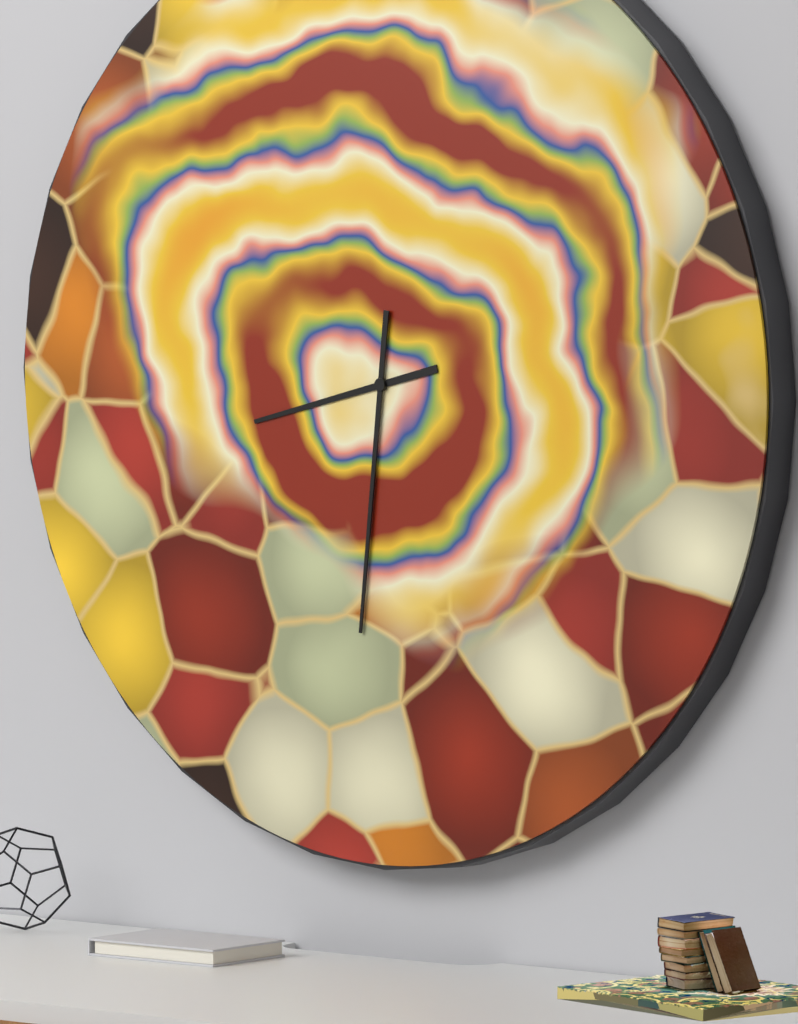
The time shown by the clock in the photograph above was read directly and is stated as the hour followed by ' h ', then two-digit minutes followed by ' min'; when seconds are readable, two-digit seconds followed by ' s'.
8 h 31 min
